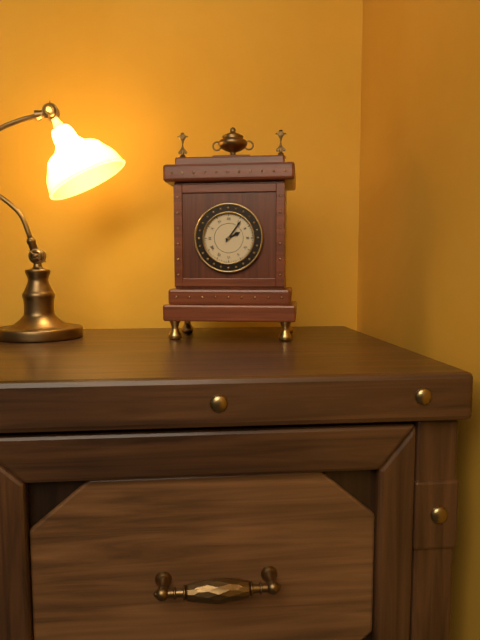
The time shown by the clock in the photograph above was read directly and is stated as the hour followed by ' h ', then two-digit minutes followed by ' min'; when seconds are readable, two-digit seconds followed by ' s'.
2 h 06 min
